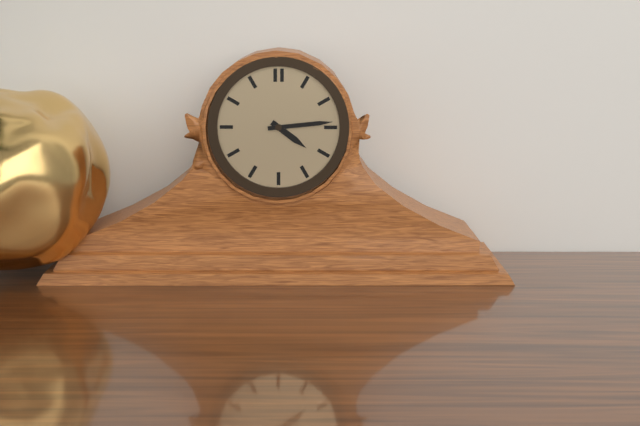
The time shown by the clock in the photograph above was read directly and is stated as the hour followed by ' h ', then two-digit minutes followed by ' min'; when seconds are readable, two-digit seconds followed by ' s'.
4 h 14 min
